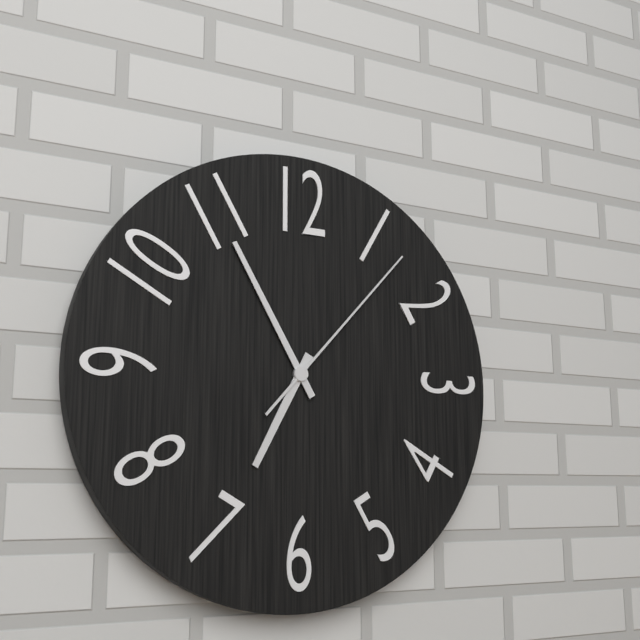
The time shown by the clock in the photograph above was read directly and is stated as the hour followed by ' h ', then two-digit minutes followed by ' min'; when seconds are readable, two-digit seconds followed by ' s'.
6 h 55 min 07 s
